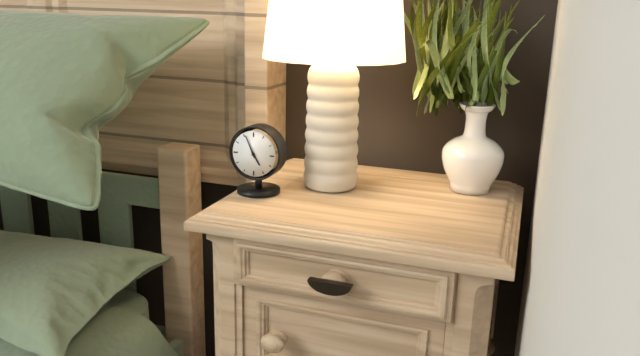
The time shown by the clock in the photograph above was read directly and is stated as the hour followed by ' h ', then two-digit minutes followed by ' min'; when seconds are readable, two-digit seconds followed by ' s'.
4 h 56 min
